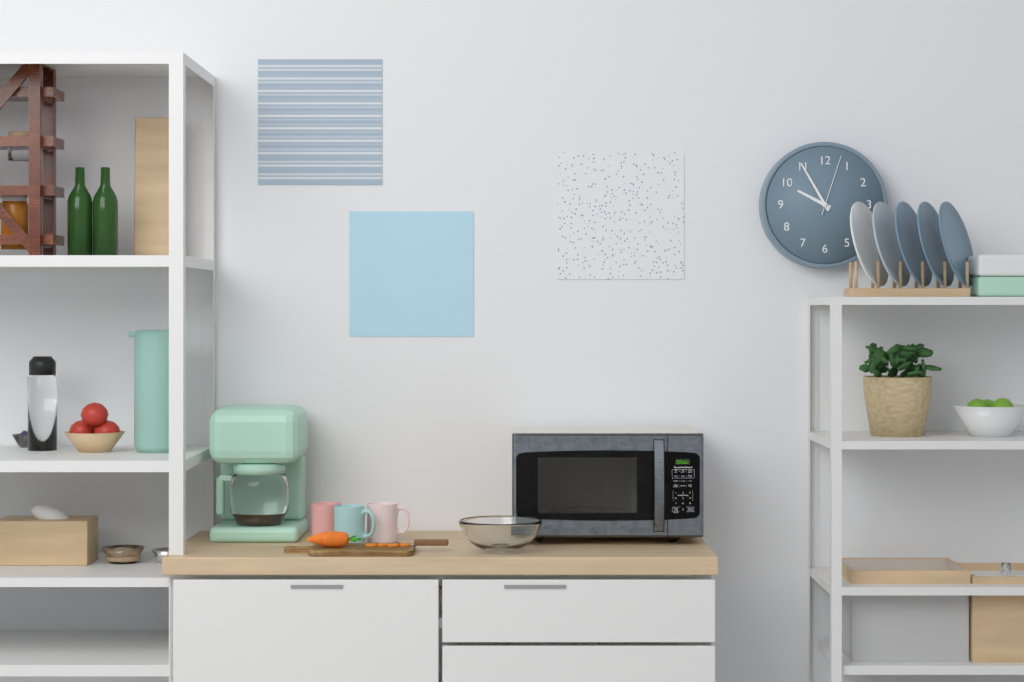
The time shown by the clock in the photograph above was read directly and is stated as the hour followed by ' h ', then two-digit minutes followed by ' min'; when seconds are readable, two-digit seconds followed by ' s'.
9 h 55 min 03 s
